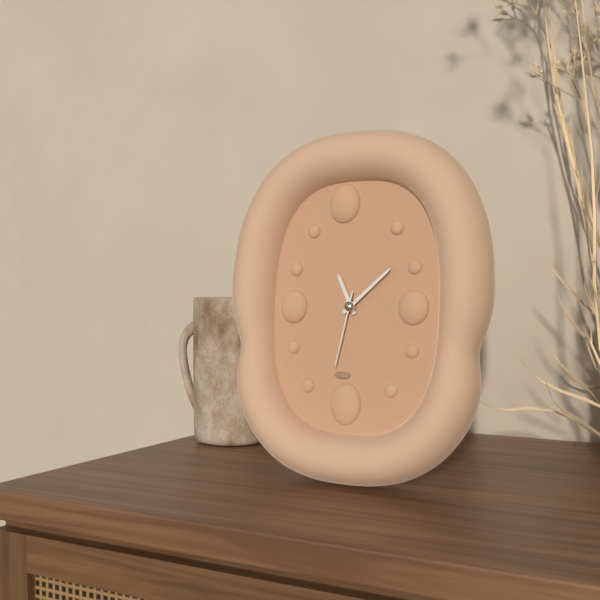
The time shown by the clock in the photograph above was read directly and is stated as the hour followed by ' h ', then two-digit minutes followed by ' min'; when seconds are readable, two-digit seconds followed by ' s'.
11 h 08 min 32 s
